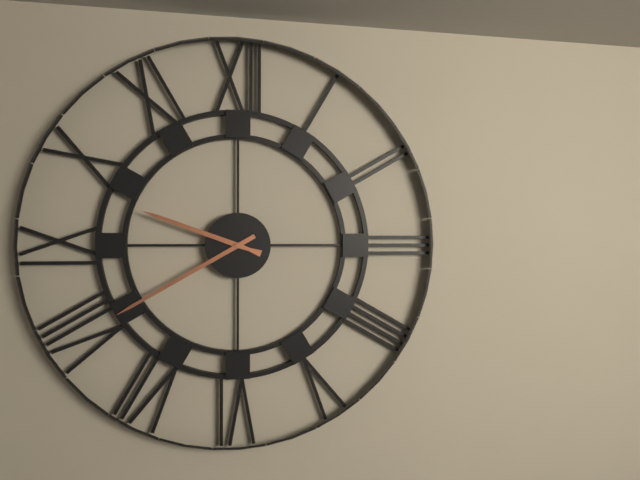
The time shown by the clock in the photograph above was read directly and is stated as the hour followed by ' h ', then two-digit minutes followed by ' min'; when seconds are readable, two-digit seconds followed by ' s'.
9 h 40 min
